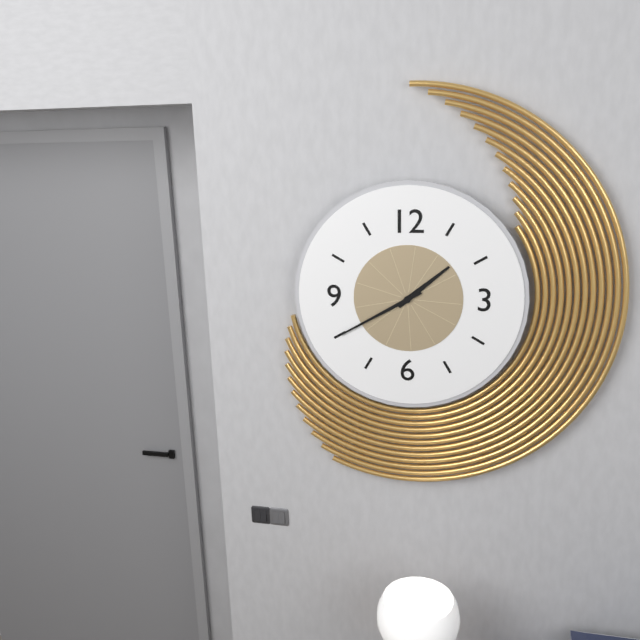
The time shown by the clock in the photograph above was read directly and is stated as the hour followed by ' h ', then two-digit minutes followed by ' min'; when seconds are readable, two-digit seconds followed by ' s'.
1 h 40 min
